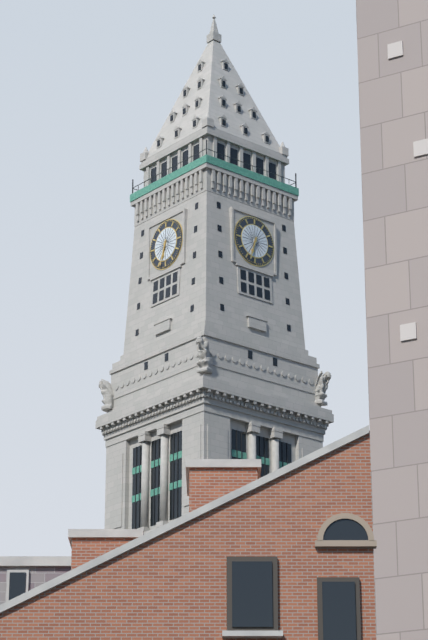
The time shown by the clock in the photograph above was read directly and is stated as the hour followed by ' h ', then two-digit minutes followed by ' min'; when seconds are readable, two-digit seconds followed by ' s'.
6 h 33 min
